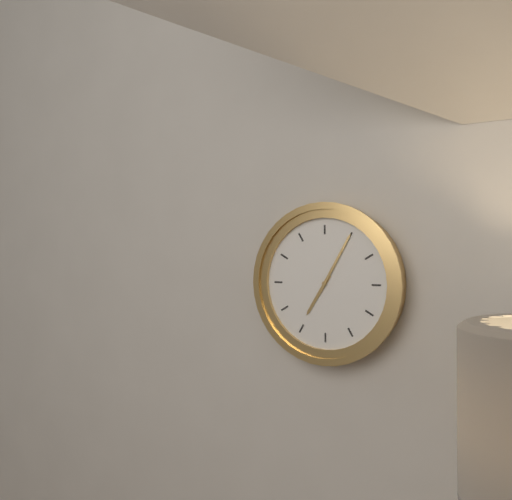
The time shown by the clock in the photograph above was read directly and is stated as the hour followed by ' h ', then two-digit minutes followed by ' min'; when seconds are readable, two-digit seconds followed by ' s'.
7 h 05 min
